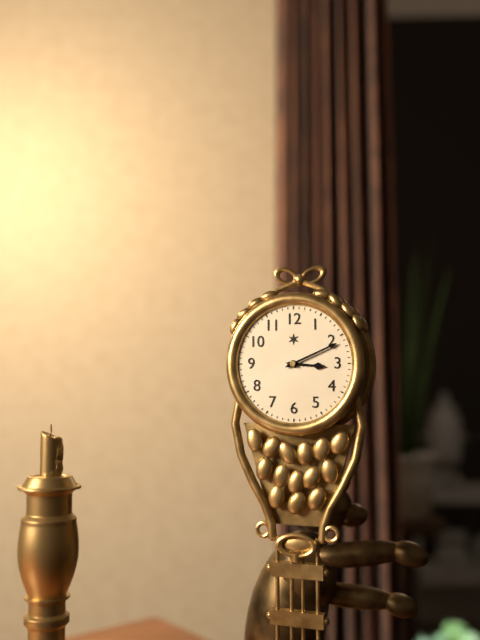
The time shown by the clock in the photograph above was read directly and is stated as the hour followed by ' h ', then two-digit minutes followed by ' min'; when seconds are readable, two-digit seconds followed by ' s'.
3 h 11 min
